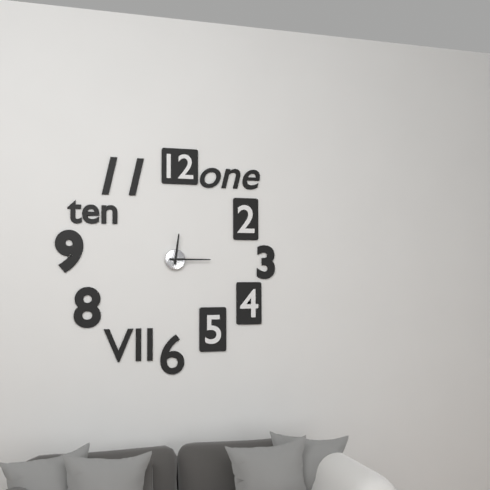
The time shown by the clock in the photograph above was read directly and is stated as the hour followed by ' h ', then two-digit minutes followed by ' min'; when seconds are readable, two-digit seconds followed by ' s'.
12 h 15 min
